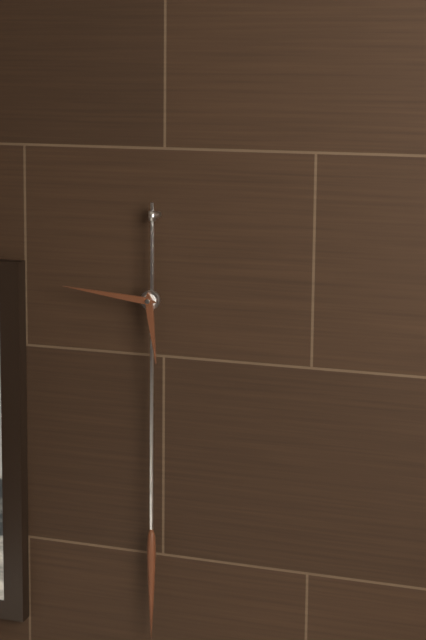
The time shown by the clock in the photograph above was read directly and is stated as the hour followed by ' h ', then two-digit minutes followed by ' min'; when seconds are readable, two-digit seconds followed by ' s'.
5 h 46 min
